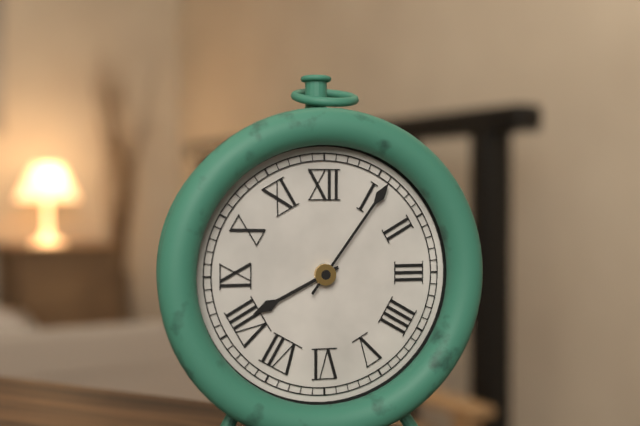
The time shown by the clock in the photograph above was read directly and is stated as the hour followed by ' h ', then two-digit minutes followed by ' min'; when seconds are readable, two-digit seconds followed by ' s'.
8 h 06 min
